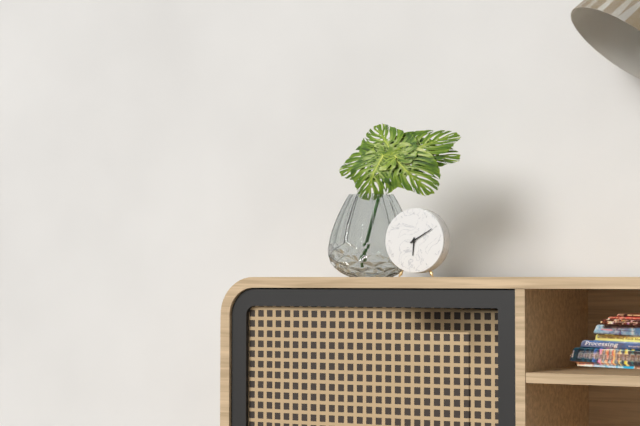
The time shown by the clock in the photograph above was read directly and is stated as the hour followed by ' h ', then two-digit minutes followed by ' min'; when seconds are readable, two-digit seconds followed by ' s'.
6 h 10 min
